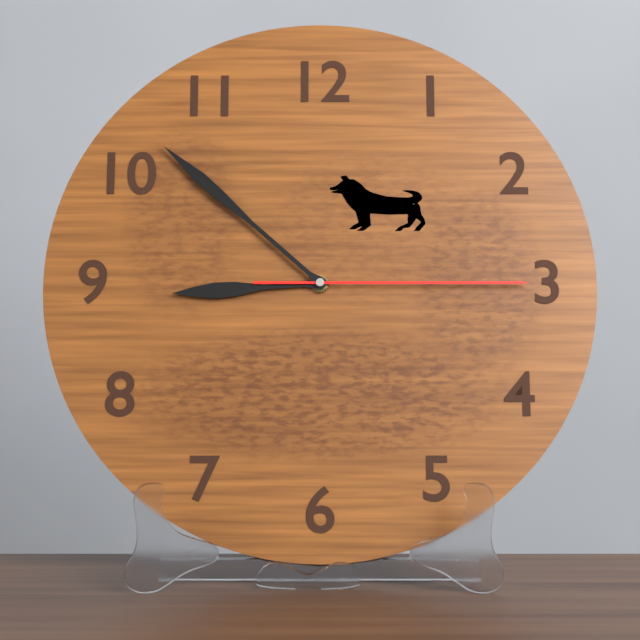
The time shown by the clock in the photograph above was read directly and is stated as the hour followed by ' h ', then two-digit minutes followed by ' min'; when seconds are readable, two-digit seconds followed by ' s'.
8 h 52 min 15 s
